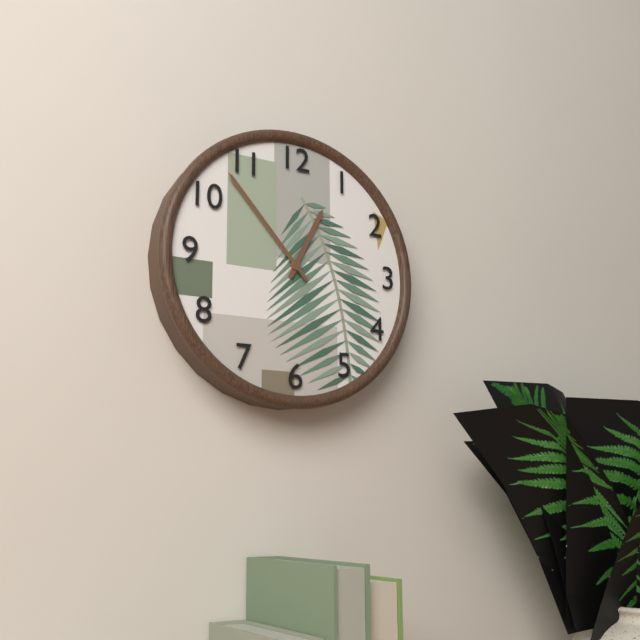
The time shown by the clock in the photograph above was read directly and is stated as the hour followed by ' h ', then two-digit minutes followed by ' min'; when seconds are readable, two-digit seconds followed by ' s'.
12 h 53 min
